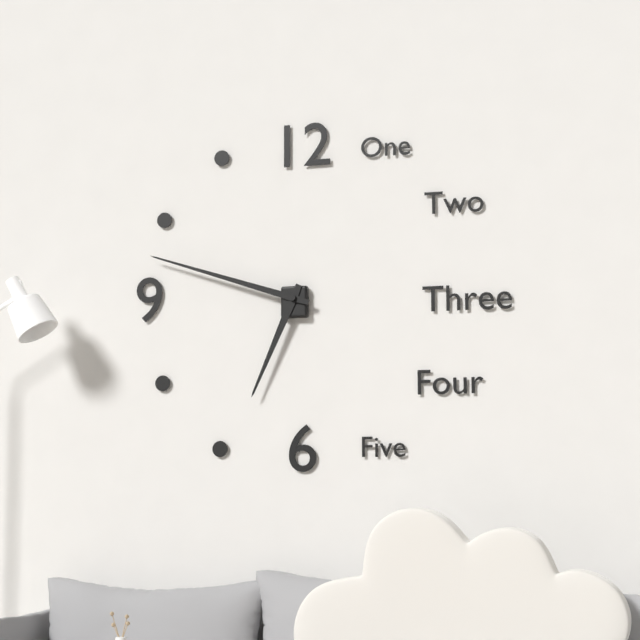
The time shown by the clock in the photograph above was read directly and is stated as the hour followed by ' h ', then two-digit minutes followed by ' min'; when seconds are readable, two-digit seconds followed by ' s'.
6 h 48 min
